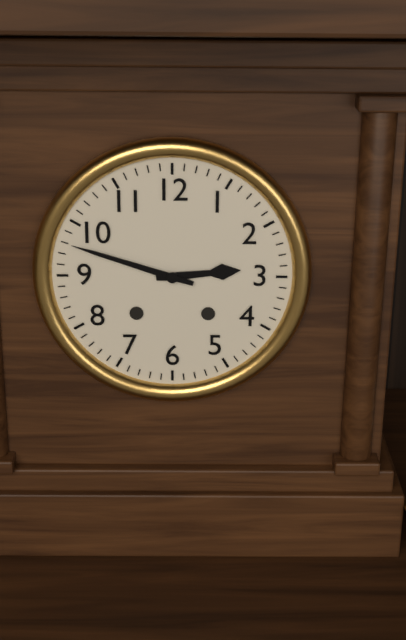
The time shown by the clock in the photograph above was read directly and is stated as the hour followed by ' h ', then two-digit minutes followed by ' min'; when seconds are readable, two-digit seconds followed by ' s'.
2 h 48 min
